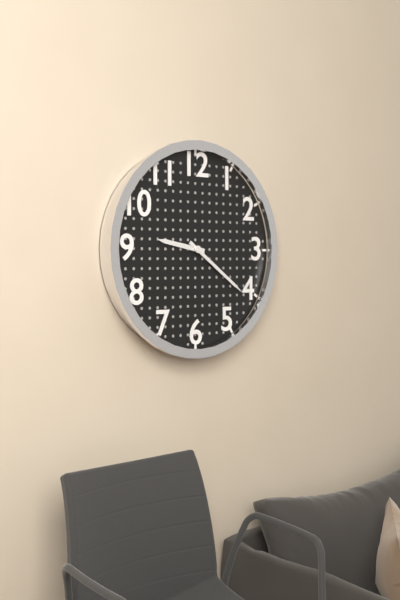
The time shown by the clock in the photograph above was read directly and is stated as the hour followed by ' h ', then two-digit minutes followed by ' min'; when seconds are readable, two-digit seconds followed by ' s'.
9 h 21 min
